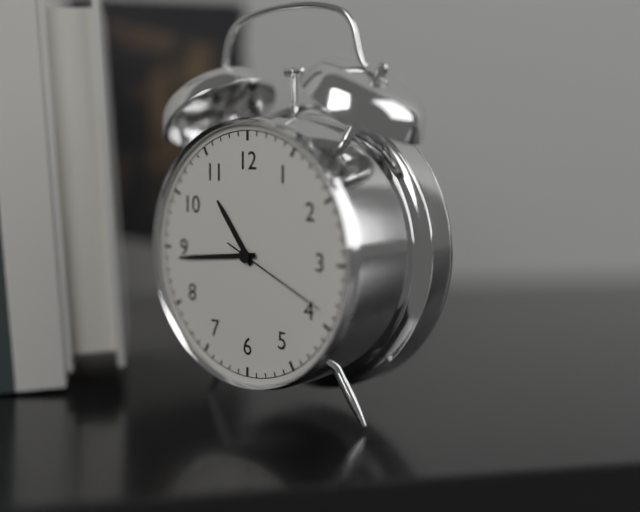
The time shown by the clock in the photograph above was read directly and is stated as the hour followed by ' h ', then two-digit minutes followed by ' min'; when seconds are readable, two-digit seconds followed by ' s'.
10 h 44 min 19 s
